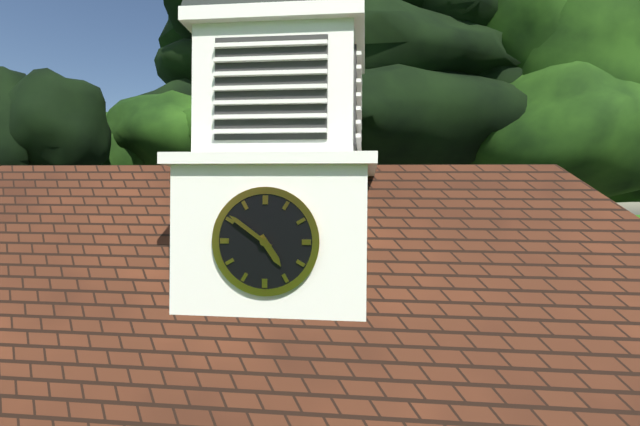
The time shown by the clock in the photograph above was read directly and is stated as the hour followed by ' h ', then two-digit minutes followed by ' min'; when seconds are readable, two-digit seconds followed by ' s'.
4 h 51 min
